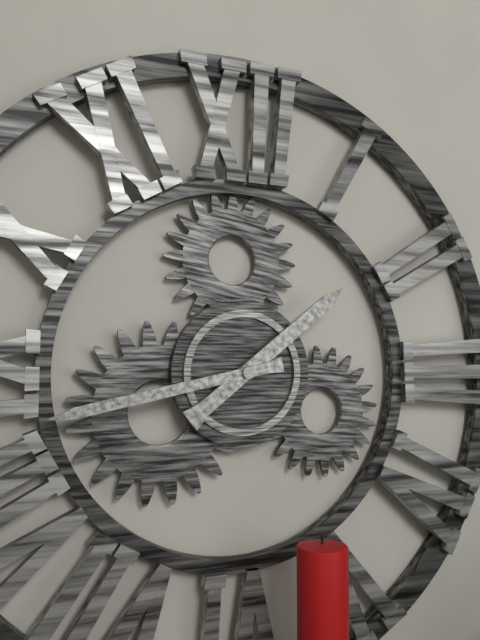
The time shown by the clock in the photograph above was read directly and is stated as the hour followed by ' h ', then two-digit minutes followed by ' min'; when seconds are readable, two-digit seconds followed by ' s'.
1 h 43 min
